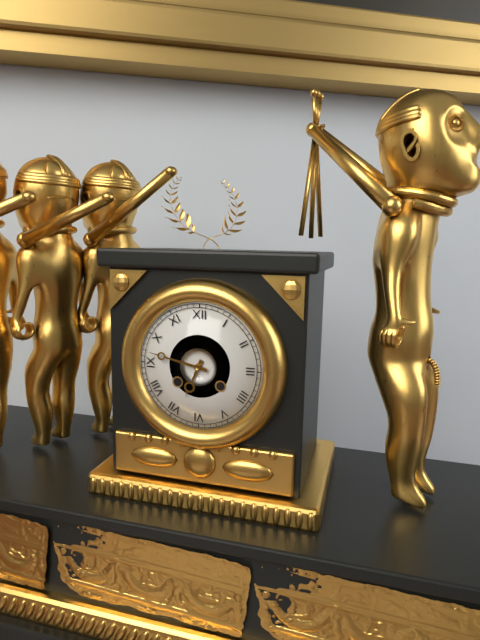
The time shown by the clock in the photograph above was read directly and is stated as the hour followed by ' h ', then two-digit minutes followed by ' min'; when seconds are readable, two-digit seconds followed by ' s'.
6 h 47 min
